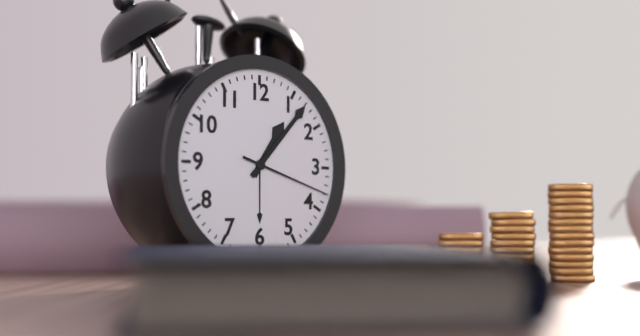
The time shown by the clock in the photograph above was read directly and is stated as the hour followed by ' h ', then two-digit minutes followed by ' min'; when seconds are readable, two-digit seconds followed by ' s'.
1 h 07 min 18 s
